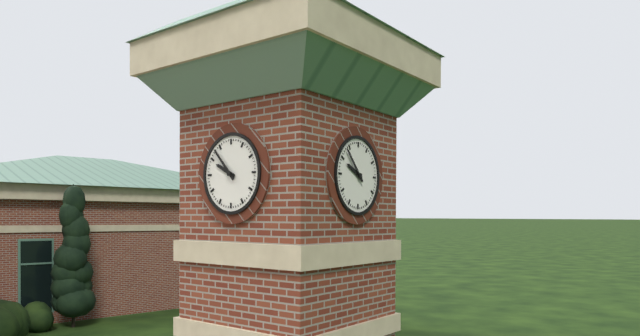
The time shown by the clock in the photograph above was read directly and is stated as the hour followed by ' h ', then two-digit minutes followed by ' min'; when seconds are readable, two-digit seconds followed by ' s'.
9 h 53 min
